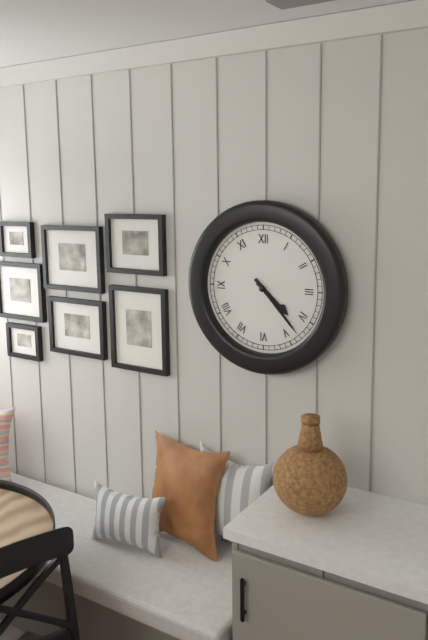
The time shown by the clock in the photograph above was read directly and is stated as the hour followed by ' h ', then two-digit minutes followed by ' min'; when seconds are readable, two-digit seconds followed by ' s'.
4 h 23 min
